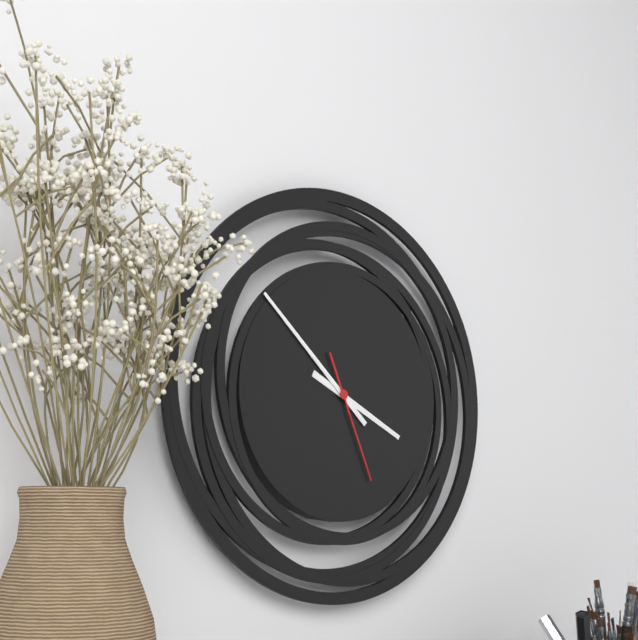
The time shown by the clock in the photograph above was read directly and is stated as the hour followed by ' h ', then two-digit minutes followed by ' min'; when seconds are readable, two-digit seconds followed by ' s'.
3 h 52 min 26 s
